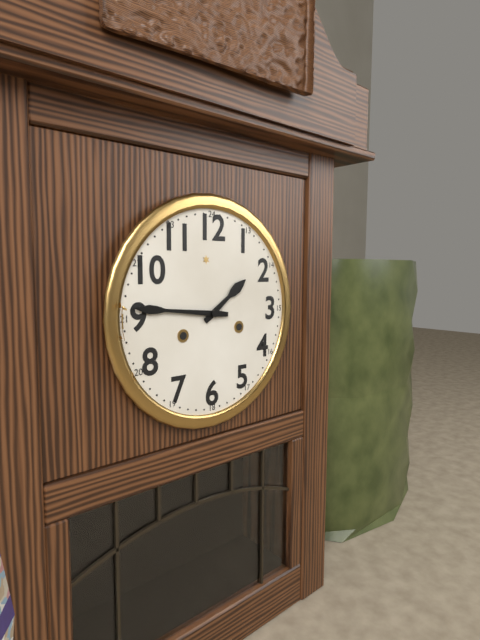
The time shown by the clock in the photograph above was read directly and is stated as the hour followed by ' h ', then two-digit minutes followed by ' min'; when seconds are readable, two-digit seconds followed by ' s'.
1 h 46 min
